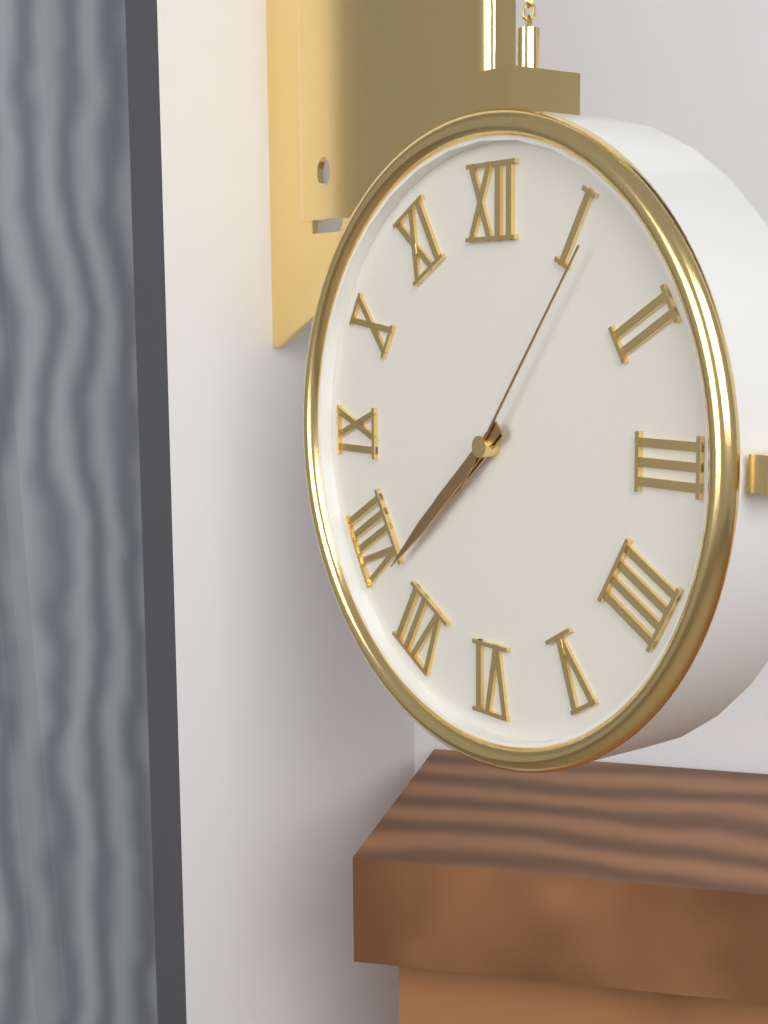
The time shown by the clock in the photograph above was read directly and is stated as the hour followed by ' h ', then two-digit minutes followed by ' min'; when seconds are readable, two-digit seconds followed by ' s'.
7 h 38 min 06 s
